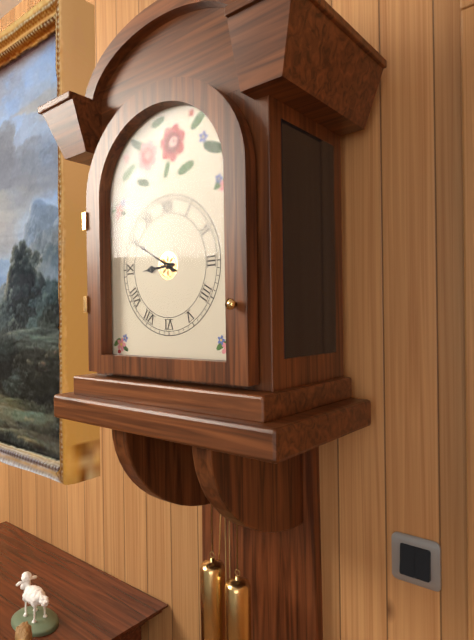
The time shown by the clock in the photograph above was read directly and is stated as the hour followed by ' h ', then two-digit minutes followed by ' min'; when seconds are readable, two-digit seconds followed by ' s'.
8 h 50 min
